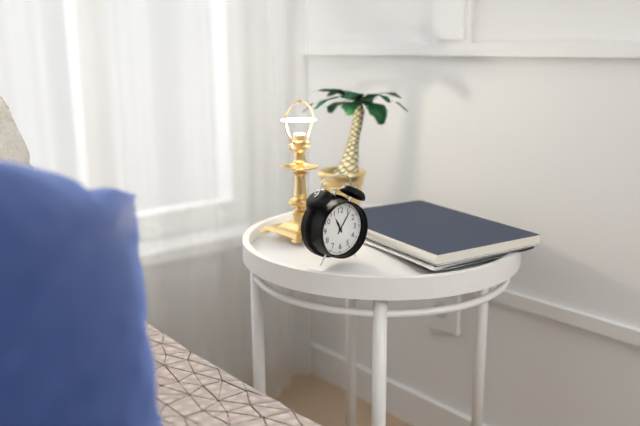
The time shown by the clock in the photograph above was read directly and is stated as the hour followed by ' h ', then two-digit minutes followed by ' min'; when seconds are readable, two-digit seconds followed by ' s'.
11 h 06 min
